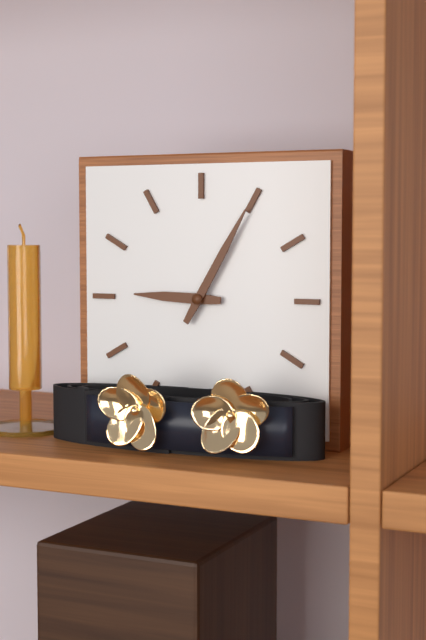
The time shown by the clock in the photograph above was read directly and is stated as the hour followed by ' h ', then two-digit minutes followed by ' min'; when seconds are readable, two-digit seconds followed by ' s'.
9 h 05 min
